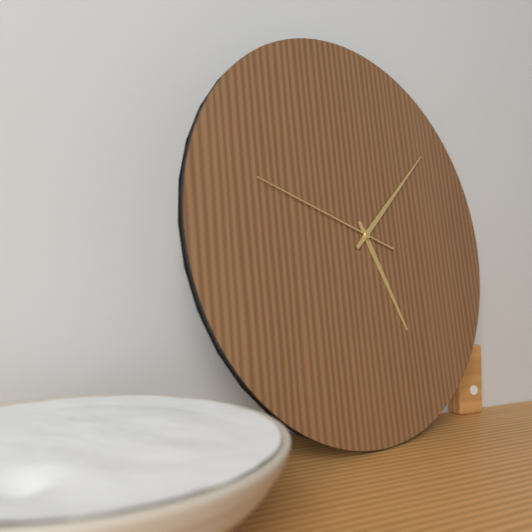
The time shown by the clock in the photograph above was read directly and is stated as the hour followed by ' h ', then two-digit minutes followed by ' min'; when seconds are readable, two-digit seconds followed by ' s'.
5 h 08 min 48 s
